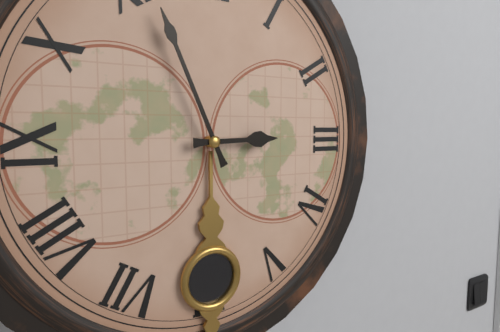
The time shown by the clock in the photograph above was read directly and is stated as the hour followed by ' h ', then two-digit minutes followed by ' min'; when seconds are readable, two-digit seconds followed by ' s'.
2 h 56 min
